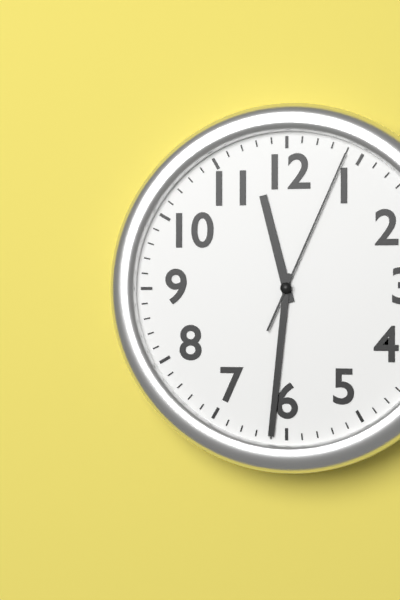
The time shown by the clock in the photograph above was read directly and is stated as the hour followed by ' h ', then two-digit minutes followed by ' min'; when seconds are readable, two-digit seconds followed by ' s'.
11 h 31 min 04 s
